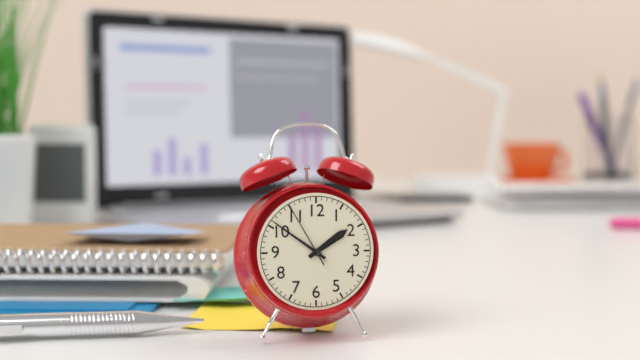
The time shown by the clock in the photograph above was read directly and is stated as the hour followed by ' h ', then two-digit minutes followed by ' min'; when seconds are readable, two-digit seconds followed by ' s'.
1 h 51 min 55 s
